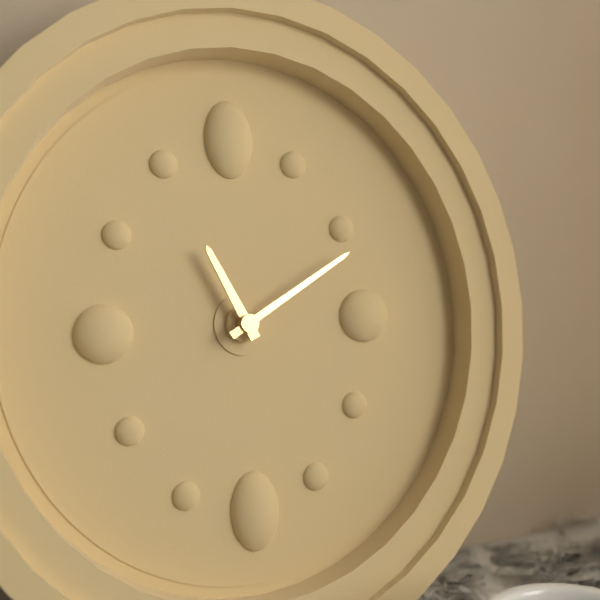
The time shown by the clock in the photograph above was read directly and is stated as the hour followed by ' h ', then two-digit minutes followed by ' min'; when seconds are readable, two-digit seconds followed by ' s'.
11 h 10 min
